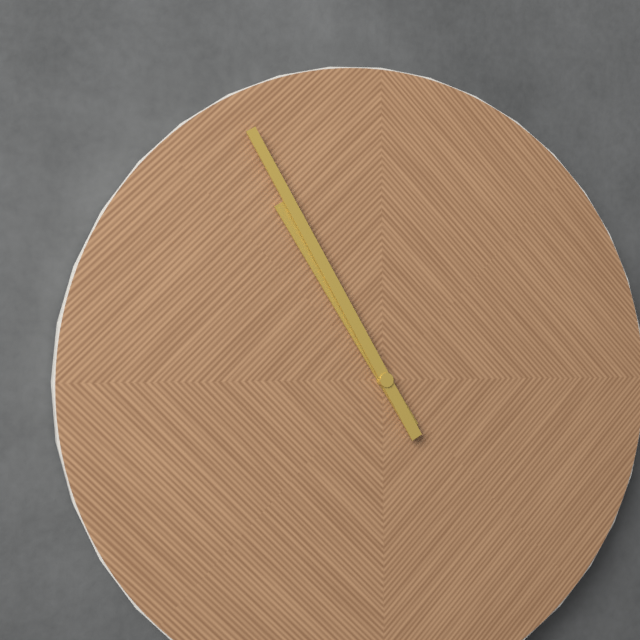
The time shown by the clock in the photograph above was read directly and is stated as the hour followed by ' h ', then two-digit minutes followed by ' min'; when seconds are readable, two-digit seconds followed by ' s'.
10 h 55 min
